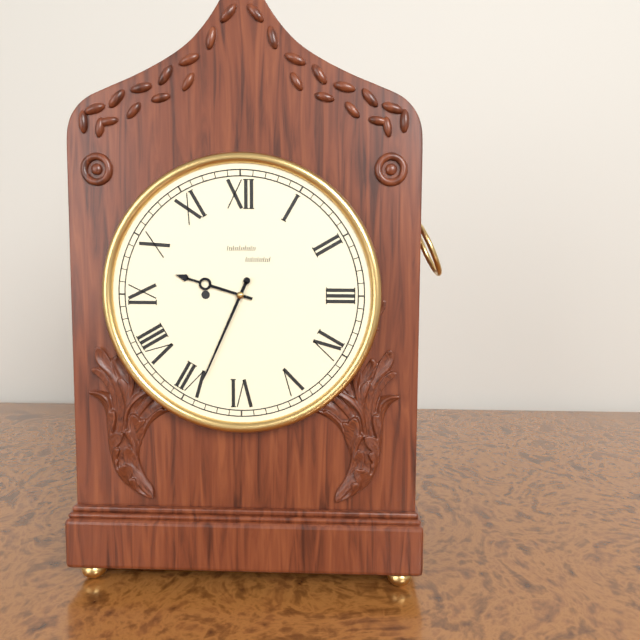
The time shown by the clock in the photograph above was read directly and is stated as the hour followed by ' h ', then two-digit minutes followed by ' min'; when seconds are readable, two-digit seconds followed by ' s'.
9 h 34 min
